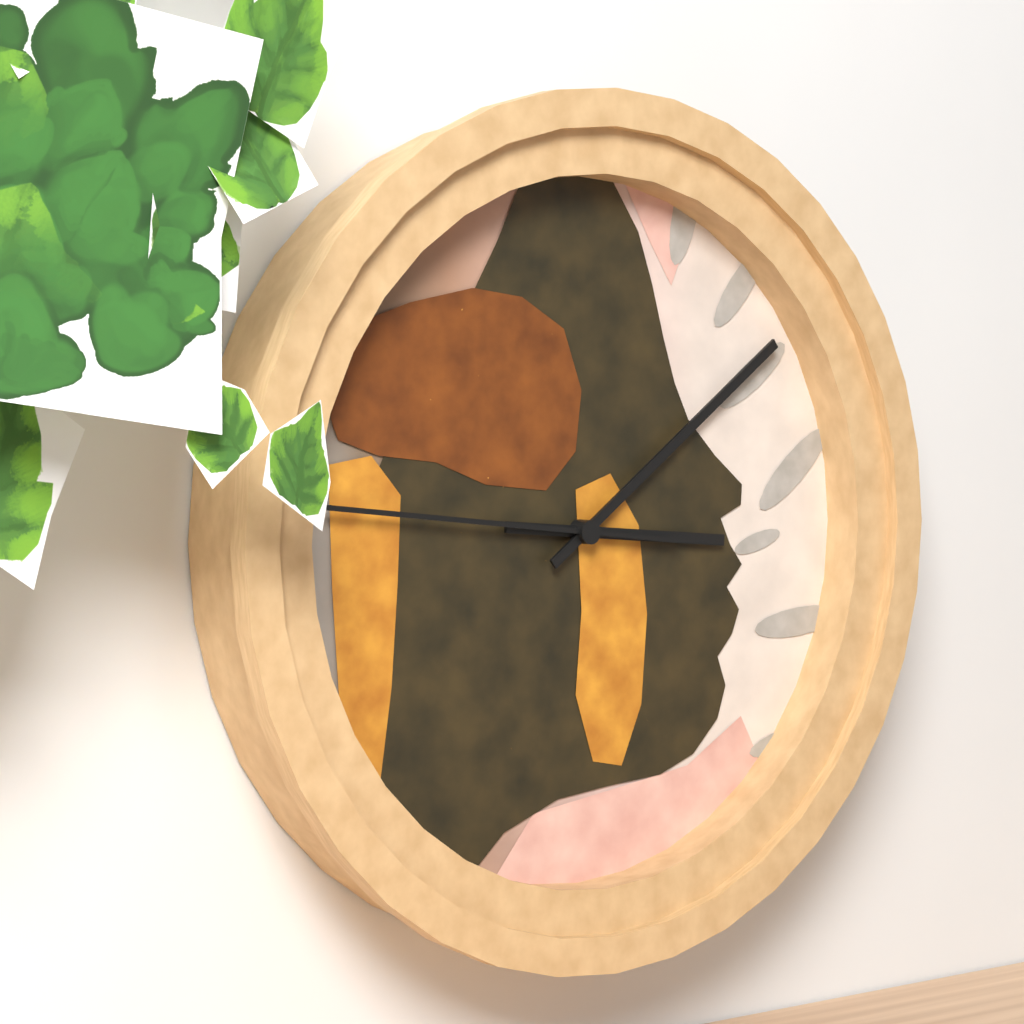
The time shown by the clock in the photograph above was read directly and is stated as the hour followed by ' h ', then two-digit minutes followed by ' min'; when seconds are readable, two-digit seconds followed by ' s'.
3 h 09 min 46 s
